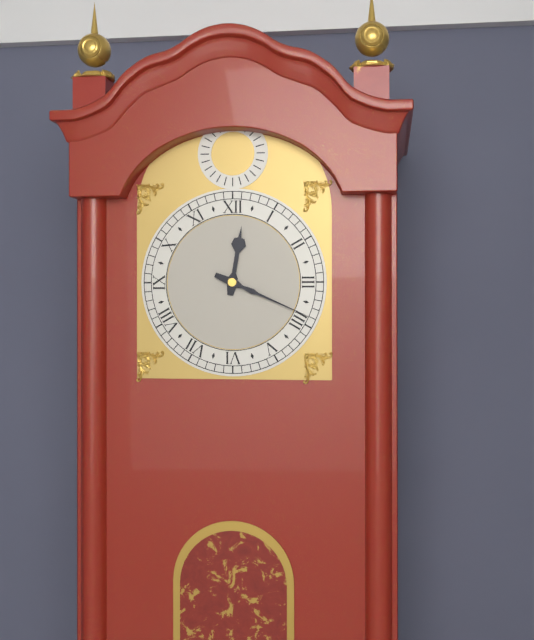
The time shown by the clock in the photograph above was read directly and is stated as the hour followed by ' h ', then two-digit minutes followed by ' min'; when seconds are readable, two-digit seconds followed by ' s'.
12 h 19 min
